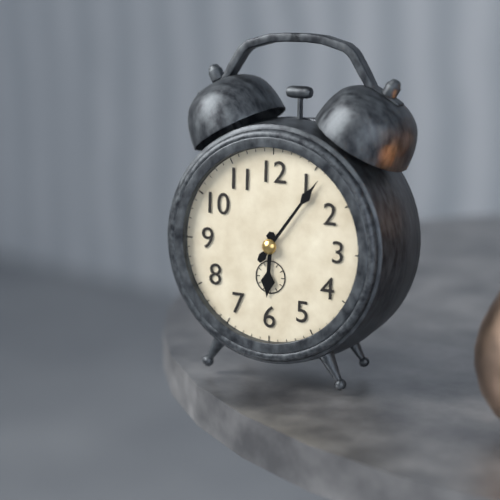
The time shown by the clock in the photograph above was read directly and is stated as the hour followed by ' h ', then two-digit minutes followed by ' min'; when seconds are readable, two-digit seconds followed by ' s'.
6 h 06 min
